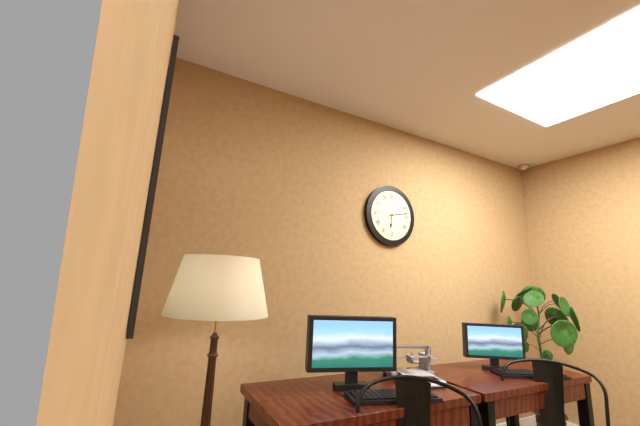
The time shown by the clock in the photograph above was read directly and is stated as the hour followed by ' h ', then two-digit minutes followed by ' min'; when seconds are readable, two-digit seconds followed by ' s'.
6 h 13 min
